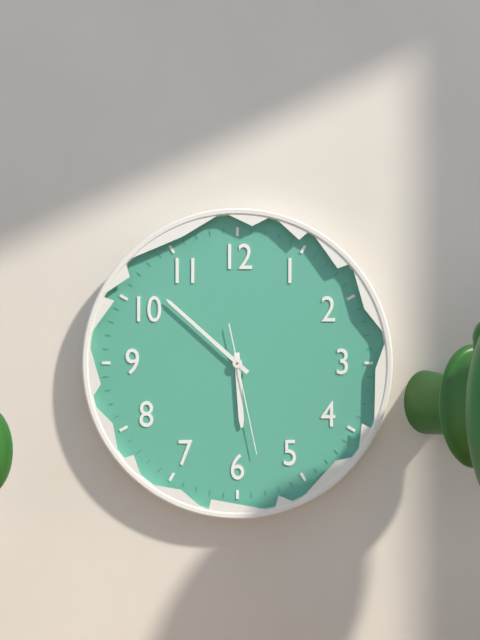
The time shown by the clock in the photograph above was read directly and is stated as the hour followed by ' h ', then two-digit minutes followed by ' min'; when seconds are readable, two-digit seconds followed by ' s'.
5 h 52 min 28 s
